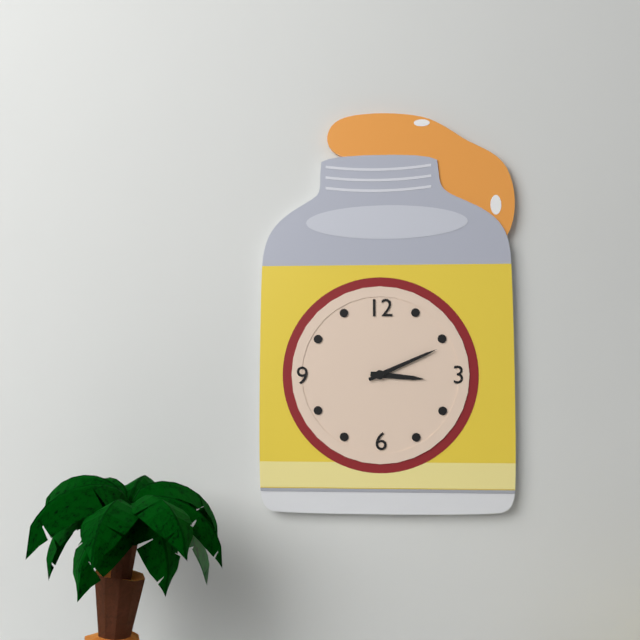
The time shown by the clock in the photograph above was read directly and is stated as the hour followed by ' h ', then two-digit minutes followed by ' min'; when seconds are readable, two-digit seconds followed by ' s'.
3 h 11 min
